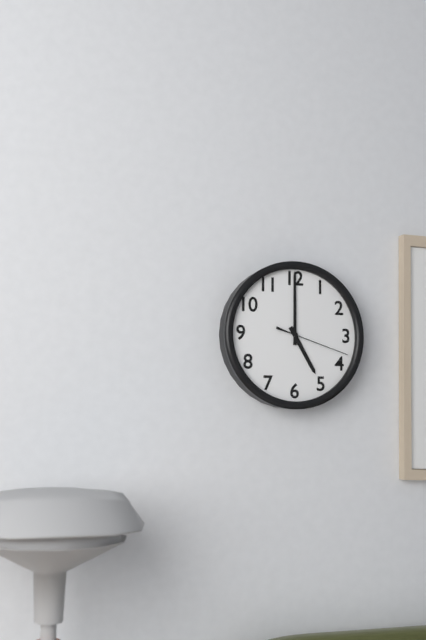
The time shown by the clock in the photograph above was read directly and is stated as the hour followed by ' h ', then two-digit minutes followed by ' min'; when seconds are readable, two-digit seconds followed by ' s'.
5 h 00 min 18 s
